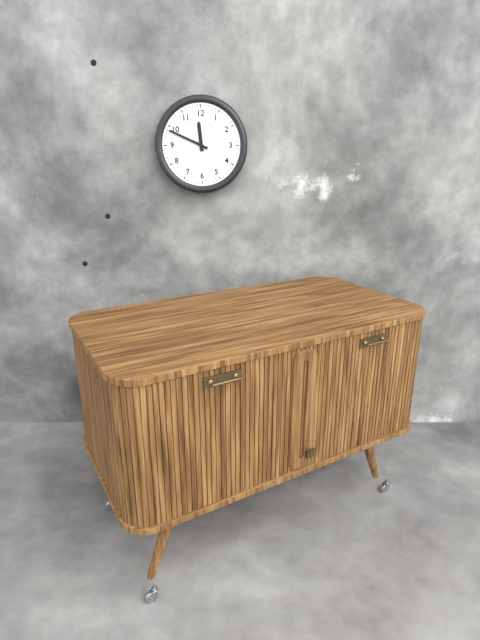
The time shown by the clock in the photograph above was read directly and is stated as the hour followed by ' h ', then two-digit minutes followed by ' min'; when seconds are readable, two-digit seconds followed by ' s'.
11 h 49 min
